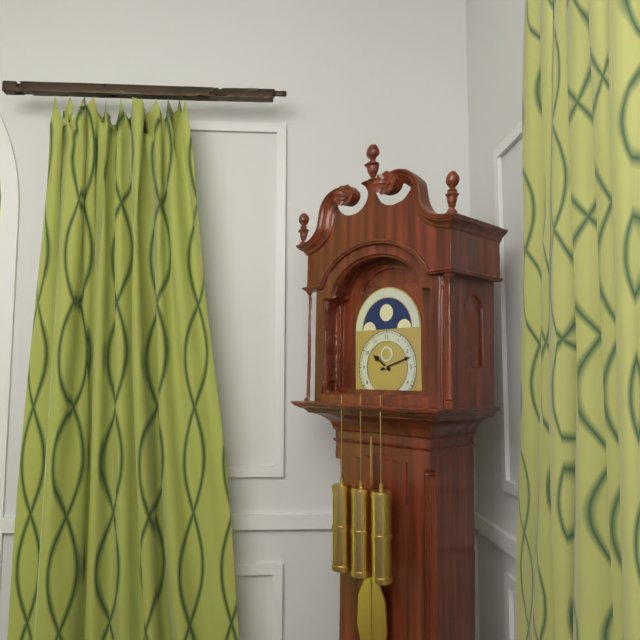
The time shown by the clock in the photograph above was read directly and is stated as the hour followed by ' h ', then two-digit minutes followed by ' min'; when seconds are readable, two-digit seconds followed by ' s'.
10 h 12 min
